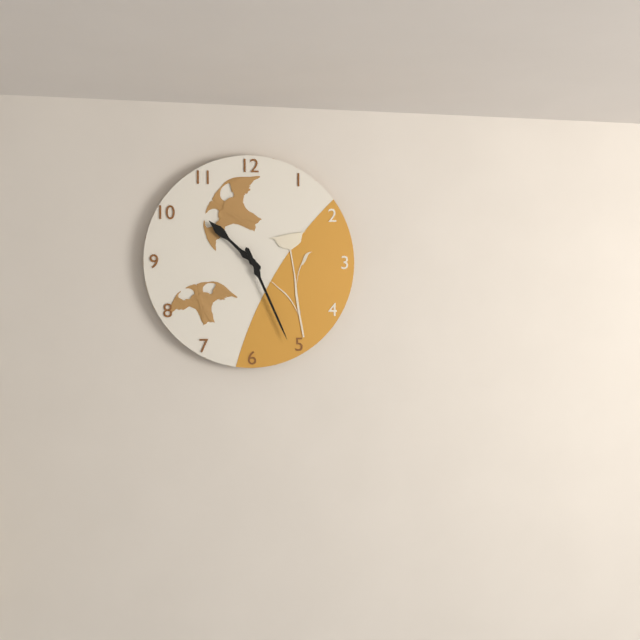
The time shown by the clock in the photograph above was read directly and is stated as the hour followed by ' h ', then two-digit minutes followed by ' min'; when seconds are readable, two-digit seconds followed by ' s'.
10 h 26 min
